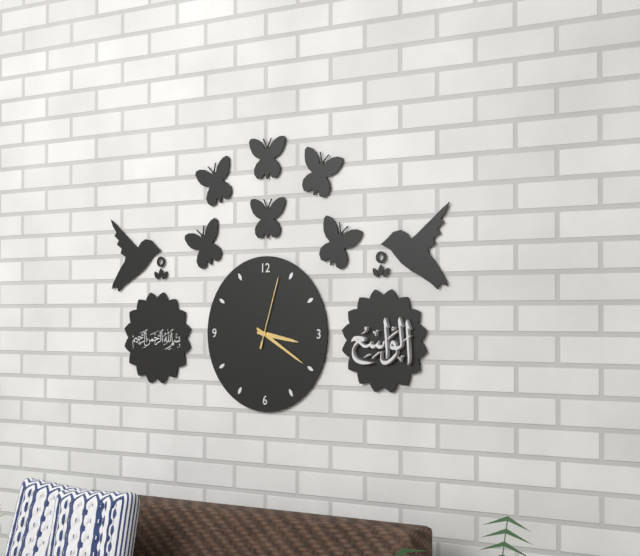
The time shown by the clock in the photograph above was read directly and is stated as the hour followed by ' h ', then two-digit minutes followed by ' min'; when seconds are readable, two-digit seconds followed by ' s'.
3 h 20 min 03 s
